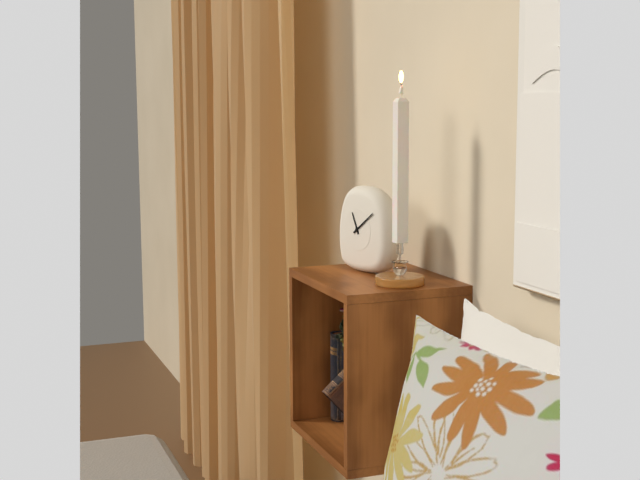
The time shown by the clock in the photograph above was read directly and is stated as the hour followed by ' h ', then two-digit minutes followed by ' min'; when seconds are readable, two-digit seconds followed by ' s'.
11 h 09 min
